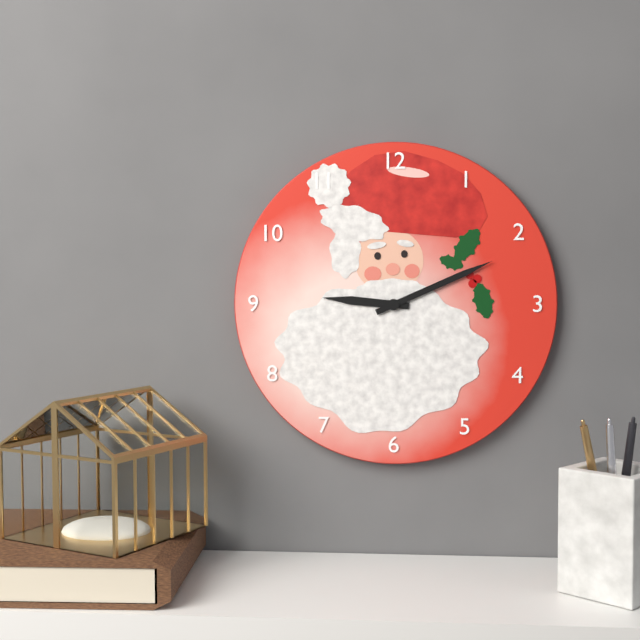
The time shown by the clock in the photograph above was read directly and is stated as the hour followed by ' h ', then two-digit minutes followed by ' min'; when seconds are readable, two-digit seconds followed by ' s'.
9 h 11 min
